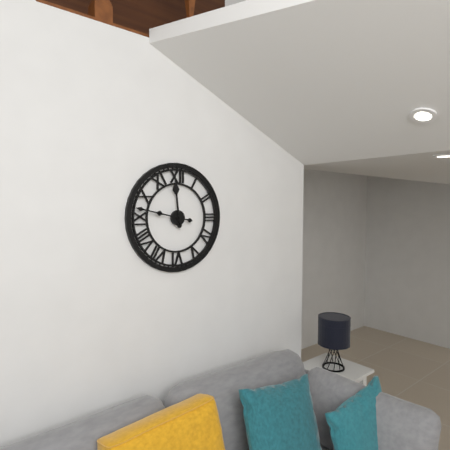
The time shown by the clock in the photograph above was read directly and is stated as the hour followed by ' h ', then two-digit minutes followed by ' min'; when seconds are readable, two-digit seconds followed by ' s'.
11 h 47 min
